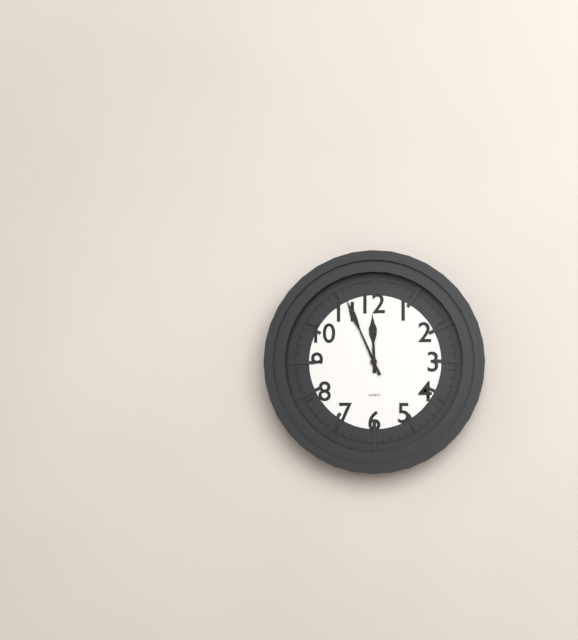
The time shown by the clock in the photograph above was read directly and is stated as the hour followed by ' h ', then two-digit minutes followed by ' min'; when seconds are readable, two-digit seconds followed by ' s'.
11 h 56 min
